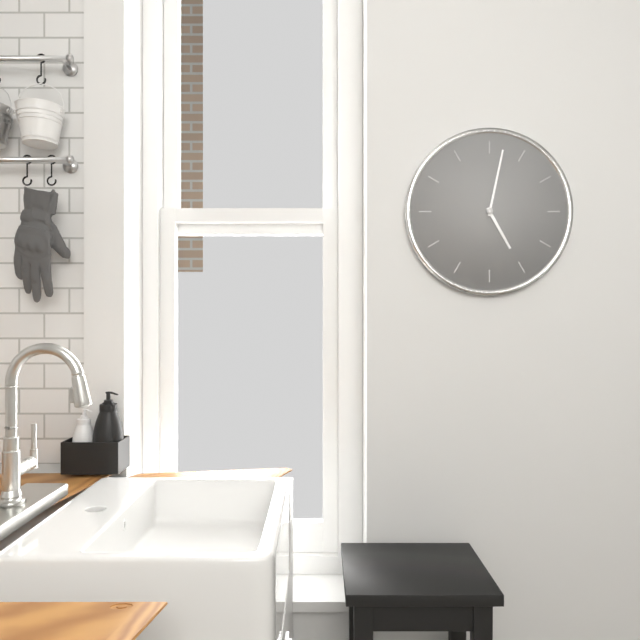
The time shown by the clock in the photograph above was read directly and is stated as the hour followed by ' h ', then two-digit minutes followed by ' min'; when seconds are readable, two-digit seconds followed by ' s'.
5 h 02 min
